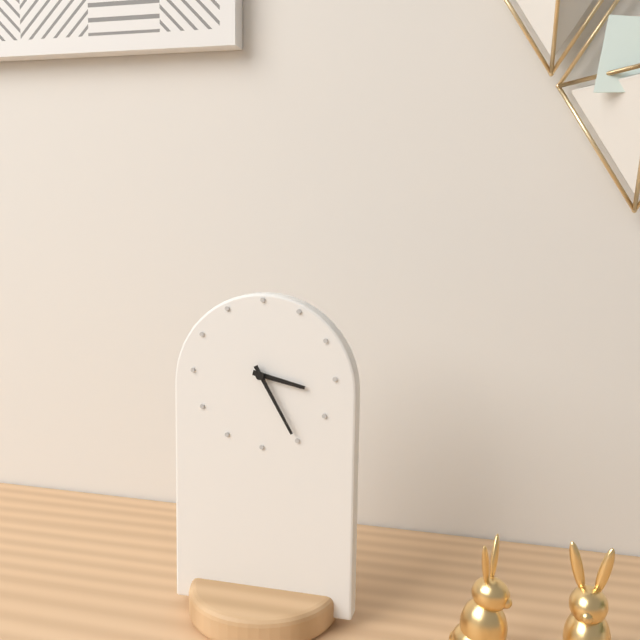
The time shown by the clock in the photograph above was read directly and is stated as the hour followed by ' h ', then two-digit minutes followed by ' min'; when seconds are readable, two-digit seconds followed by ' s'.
3 h 25 min
